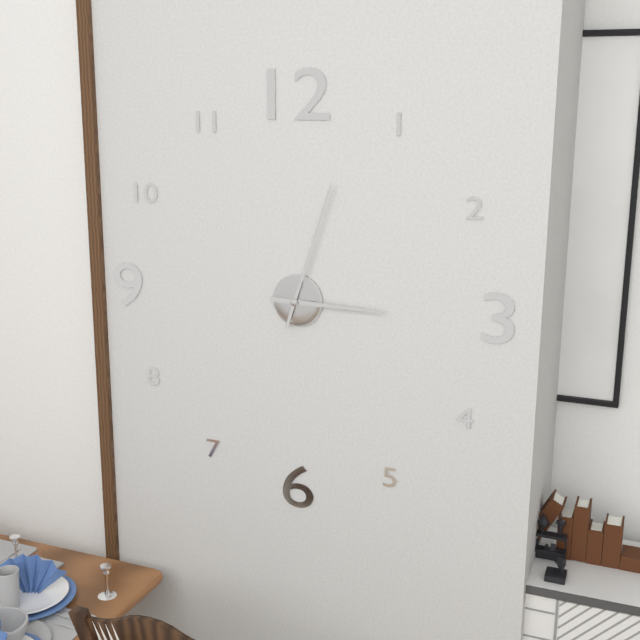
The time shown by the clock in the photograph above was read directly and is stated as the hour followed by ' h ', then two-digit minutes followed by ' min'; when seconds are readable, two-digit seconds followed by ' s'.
3 h 03 min
